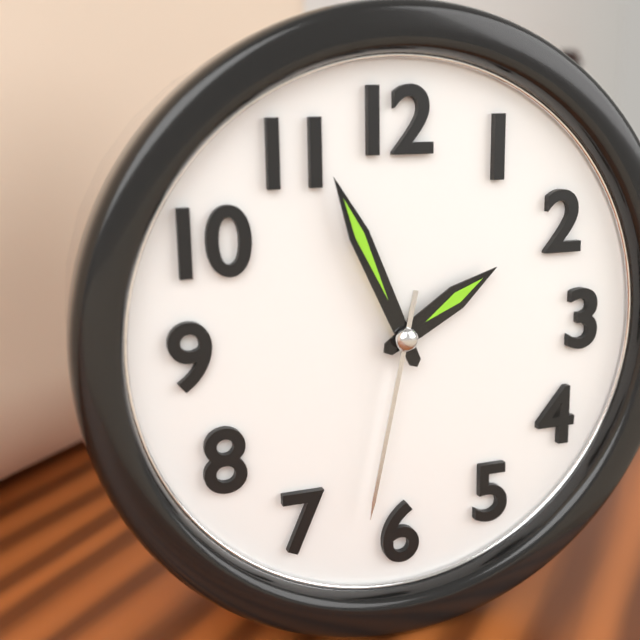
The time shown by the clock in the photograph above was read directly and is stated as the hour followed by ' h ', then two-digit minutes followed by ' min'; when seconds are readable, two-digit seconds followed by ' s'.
1 h 56 min 32 s
